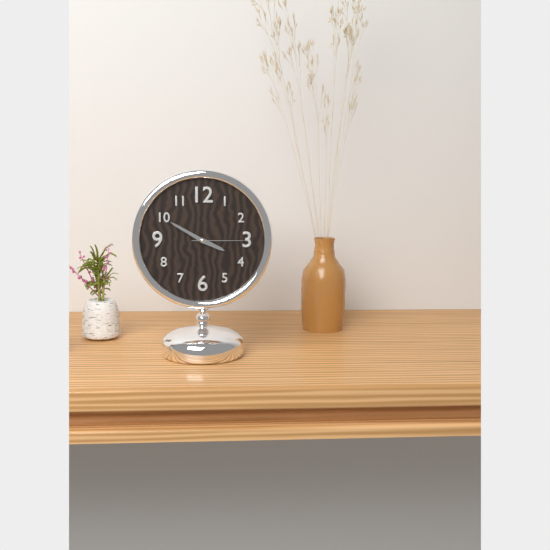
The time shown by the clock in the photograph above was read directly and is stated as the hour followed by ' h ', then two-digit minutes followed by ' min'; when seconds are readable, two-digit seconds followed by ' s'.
3 h 50 min 15 s
